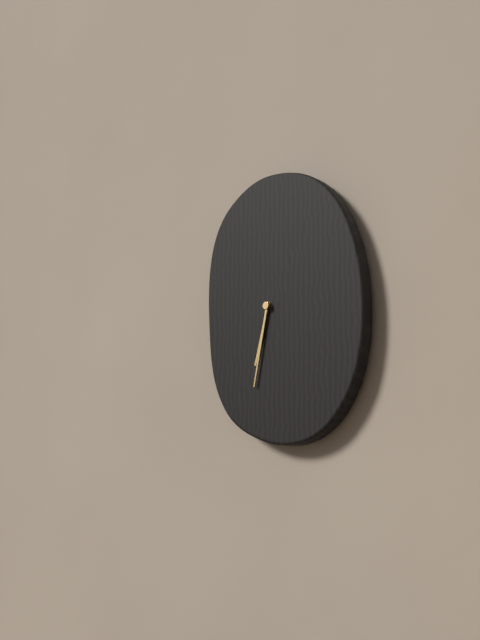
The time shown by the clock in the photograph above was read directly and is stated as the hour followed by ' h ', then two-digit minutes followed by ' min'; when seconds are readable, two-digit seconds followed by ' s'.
6 h 32 min
